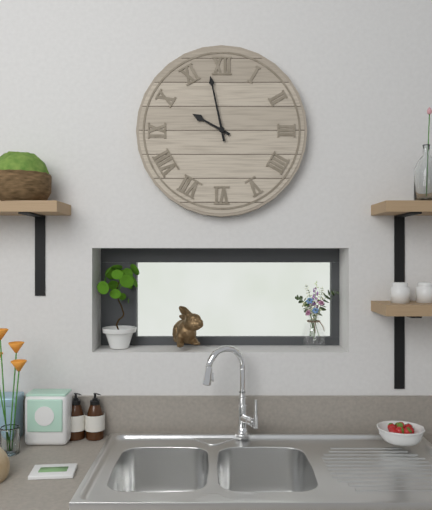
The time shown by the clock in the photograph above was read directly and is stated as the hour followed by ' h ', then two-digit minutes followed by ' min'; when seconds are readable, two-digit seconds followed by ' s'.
9 h 58 min
